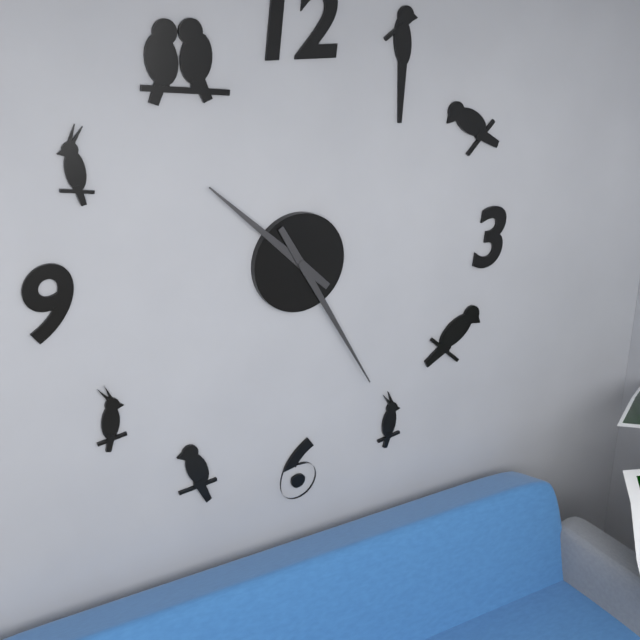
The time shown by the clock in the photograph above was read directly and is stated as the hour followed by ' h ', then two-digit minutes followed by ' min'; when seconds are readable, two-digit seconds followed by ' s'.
10 h 25 min
